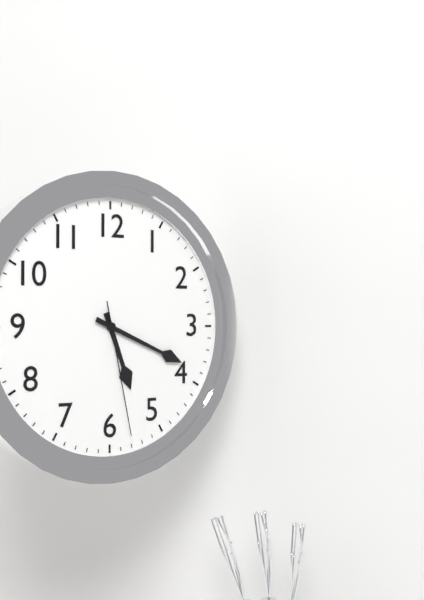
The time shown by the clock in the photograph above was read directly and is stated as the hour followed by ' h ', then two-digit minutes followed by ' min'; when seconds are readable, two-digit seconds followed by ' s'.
5 h 19 min 28 s
